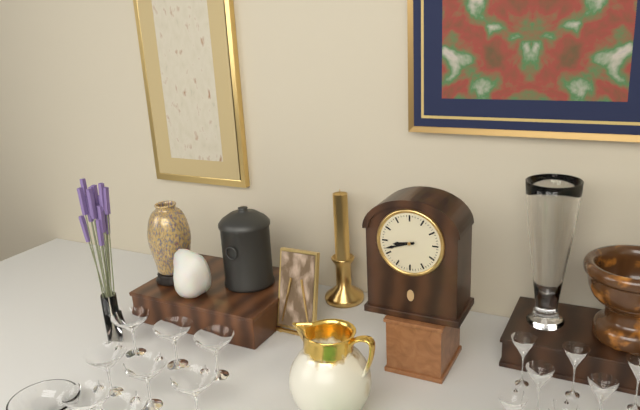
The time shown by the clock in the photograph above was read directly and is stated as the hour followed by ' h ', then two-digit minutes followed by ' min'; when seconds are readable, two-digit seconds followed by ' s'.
8 h 42 min
